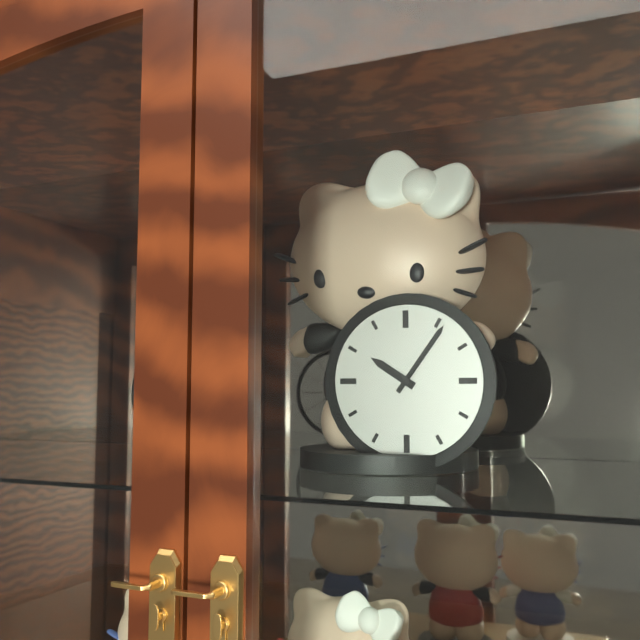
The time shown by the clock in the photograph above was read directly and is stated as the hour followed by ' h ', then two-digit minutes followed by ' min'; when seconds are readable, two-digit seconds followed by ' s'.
10 h 06 min
